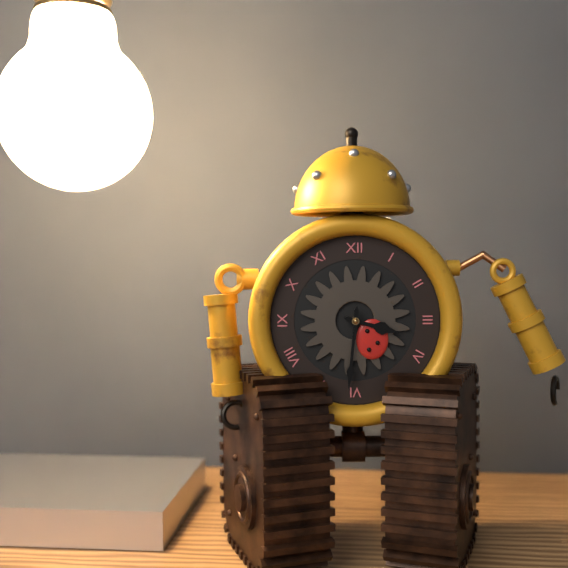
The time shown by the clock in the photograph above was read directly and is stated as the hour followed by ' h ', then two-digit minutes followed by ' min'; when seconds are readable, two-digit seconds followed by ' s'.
3 h 31 min
